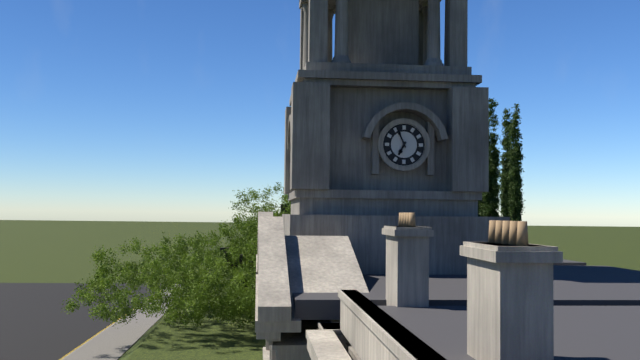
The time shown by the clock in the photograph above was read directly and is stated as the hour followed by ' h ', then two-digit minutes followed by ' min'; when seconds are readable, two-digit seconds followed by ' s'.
6 h 56 min
